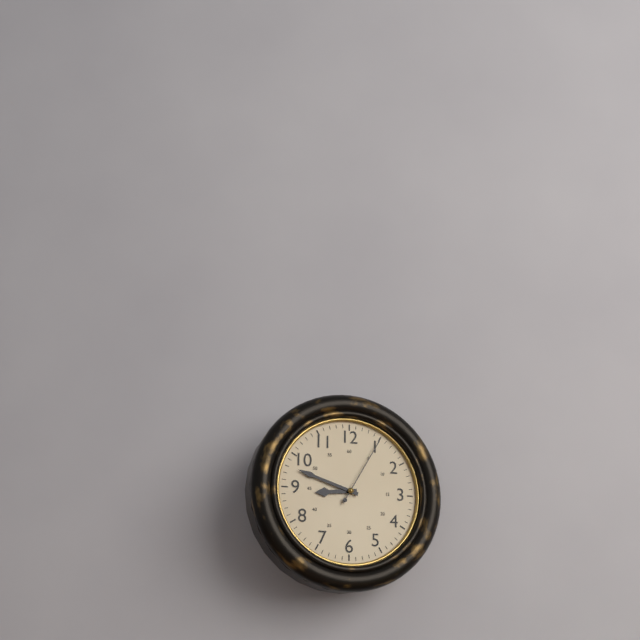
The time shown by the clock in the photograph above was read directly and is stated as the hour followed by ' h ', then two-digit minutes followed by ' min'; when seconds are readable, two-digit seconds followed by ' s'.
8 h 48 min 05 s
